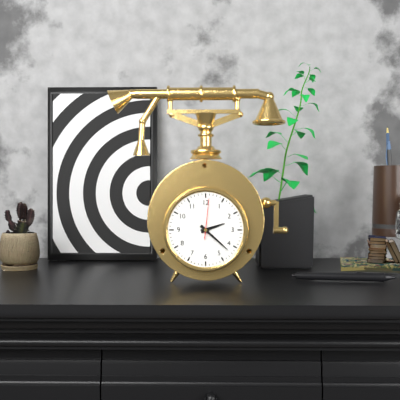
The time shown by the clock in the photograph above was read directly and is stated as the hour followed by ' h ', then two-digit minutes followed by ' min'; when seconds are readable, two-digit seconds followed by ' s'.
2 h 22 min
